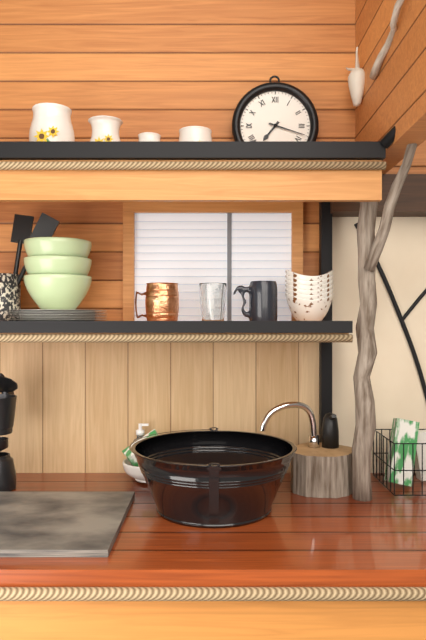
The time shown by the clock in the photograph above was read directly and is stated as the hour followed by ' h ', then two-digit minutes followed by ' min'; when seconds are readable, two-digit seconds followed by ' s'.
7 h 18 min
